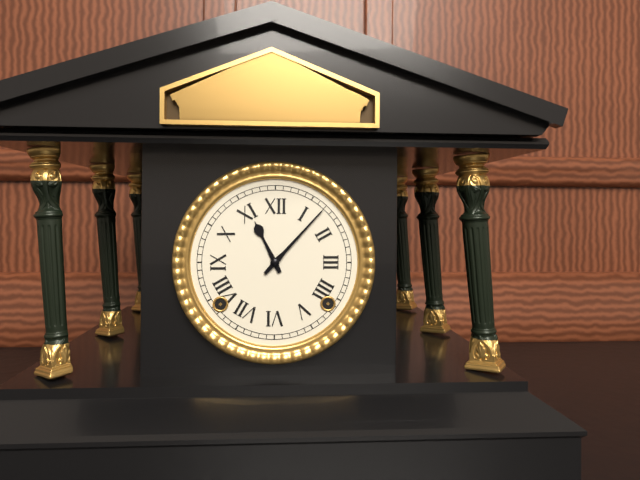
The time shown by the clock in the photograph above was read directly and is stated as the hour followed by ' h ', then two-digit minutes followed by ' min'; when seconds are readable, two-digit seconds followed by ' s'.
11 h 07 min
